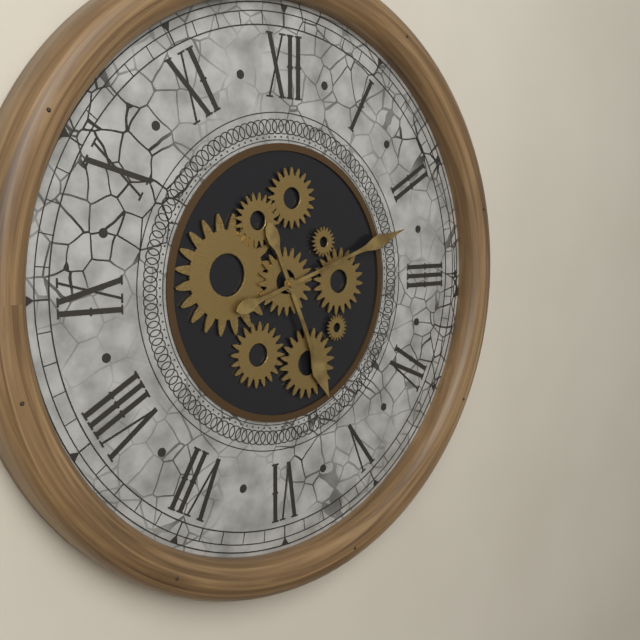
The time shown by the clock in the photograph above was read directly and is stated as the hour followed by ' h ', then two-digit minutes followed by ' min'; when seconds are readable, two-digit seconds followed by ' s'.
5 h 12 min
